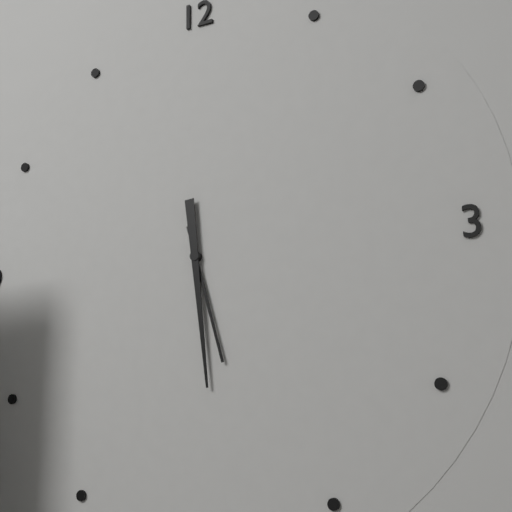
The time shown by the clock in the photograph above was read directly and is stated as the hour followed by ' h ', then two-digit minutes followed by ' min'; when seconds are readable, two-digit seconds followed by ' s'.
5 h 29 min
